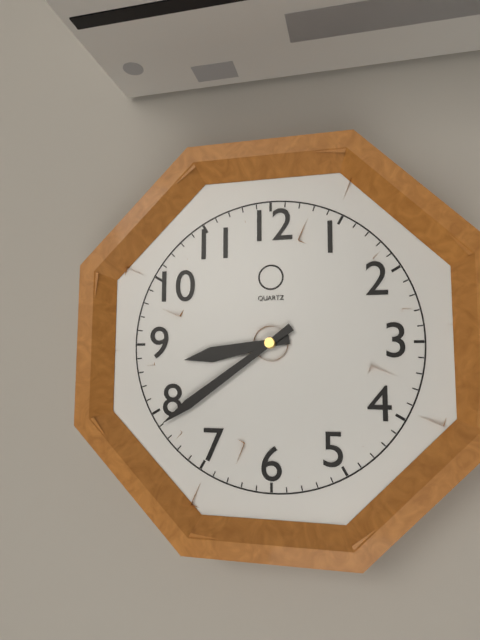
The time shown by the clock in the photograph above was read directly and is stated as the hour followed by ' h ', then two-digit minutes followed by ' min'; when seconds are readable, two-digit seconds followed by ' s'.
8 h 39 min
